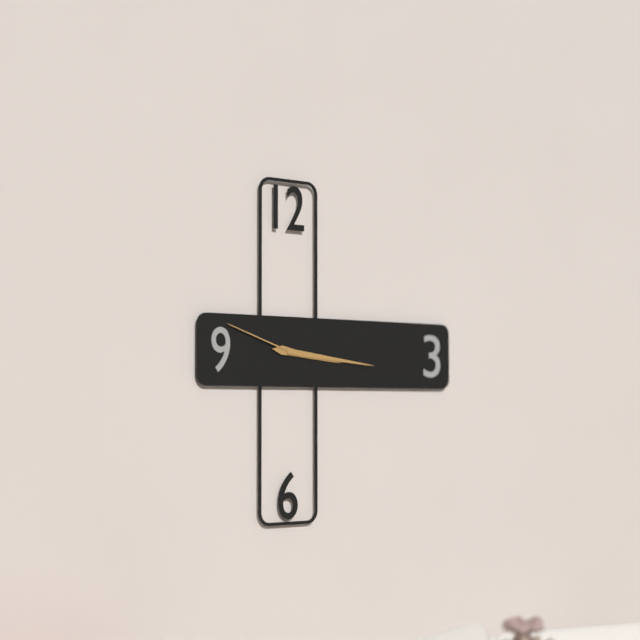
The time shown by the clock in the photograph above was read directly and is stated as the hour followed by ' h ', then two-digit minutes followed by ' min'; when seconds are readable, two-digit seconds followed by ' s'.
3 h 16 min 48 s
